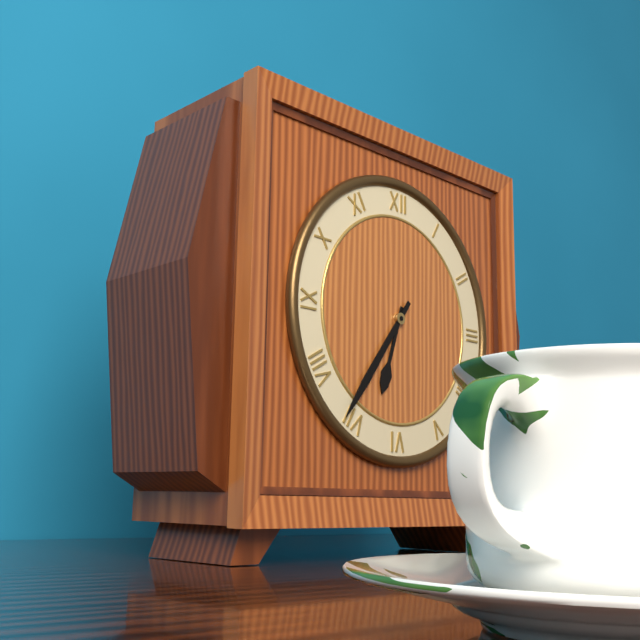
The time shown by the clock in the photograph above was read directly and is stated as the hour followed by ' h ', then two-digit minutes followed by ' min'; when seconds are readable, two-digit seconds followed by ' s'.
6 h 36 min
